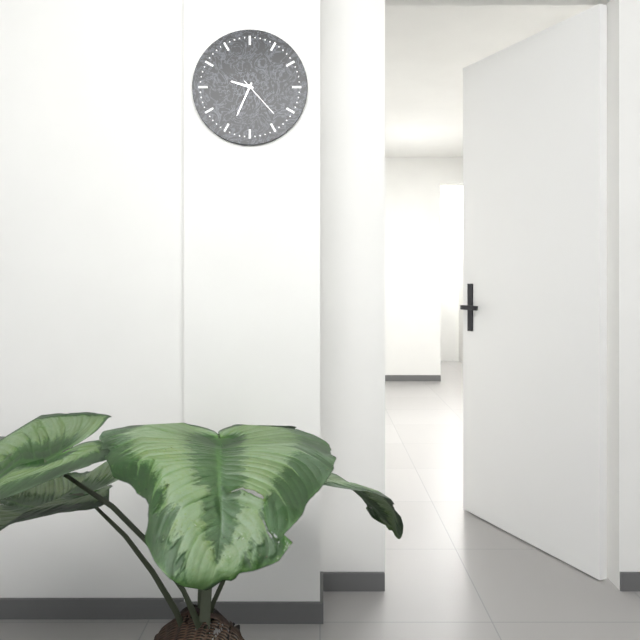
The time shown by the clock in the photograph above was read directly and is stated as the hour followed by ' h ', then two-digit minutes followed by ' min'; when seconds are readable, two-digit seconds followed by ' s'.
9 h 34 min
